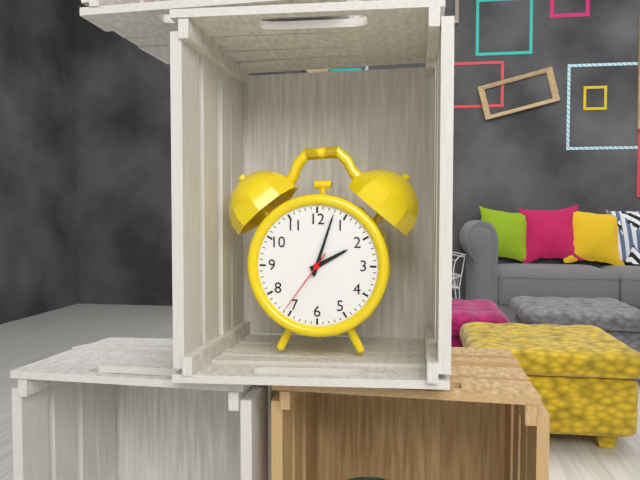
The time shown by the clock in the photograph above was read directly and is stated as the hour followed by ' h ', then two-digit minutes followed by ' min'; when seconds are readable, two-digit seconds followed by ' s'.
2 h 03 min 36 s
